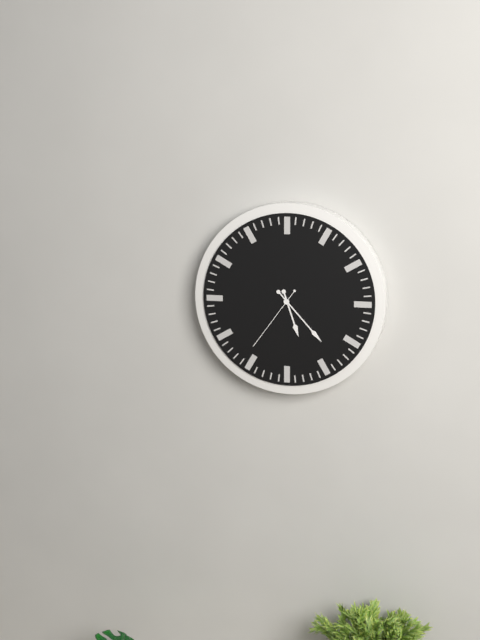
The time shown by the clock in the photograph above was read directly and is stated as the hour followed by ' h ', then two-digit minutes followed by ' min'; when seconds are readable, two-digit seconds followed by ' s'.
5 h 23 min 36 s
